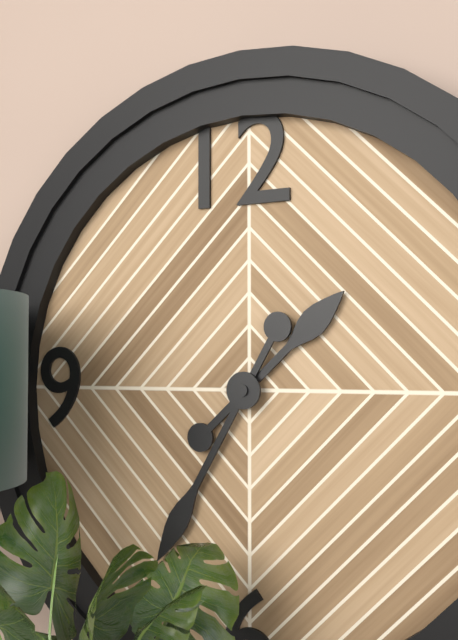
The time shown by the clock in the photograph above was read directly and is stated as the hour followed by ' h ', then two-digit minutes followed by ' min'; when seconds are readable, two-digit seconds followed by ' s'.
1 h 35 min
